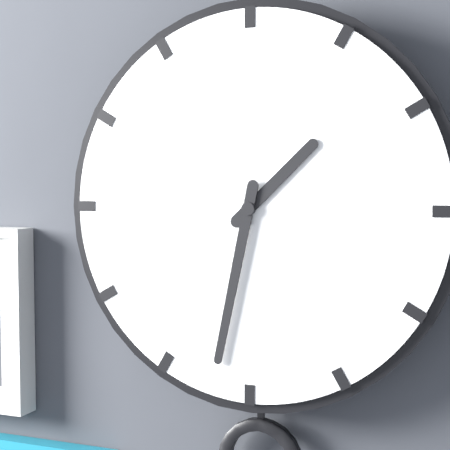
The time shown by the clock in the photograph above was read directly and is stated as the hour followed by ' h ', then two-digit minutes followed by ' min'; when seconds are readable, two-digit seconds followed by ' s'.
1 h 32 min
